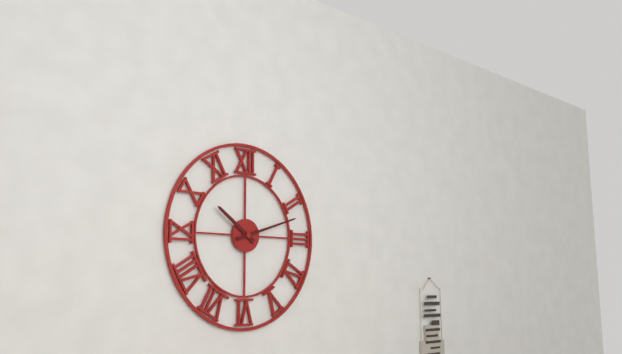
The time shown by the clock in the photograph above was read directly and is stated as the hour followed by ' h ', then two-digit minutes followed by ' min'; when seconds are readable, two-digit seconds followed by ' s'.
10 h 12 min
